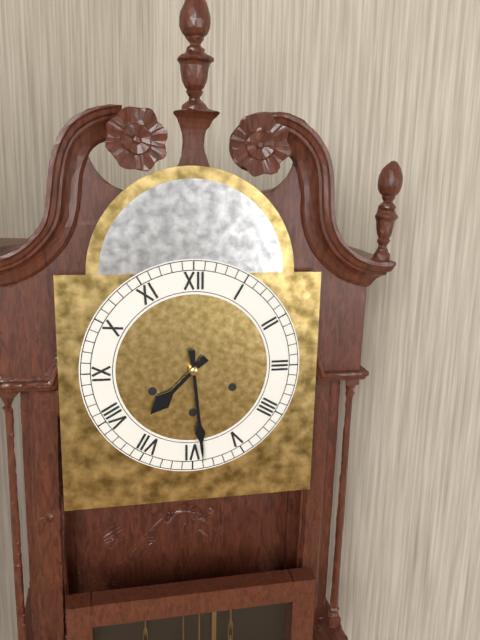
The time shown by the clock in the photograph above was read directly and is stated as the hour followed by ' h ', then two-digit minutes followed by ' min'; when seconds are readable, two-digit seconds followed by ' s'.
7 h 29 min
